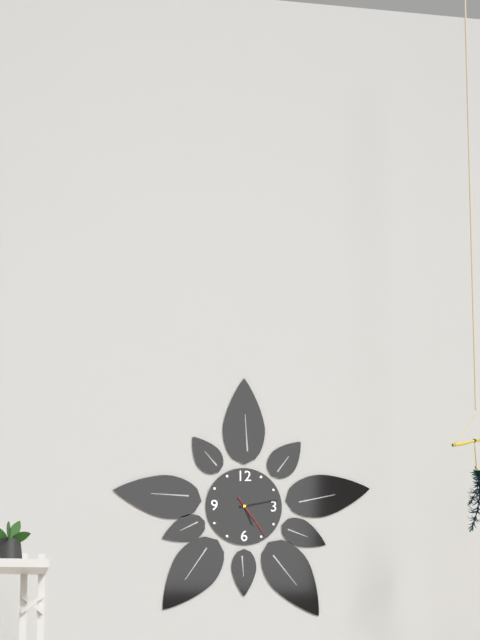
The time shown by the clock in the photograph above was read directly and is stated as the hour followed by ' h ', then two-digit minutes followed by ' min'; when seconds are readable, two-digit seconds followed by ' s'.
5 h 13 min
